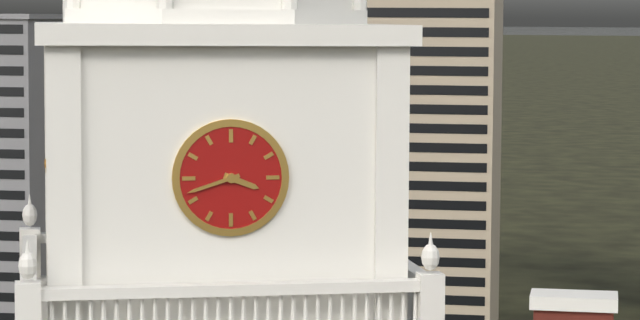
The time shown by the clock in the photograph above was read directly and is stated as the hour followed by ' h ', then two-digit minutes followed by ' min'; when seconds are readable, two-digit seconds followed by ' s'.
3 h 42 min
